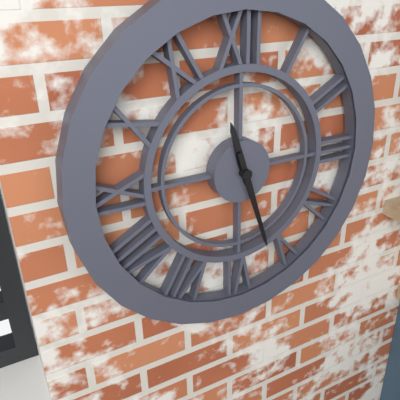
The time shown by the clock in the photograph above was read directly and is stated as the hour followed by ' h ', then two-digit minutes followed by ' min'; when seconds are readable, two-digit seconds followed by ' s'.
11 h 27 min
